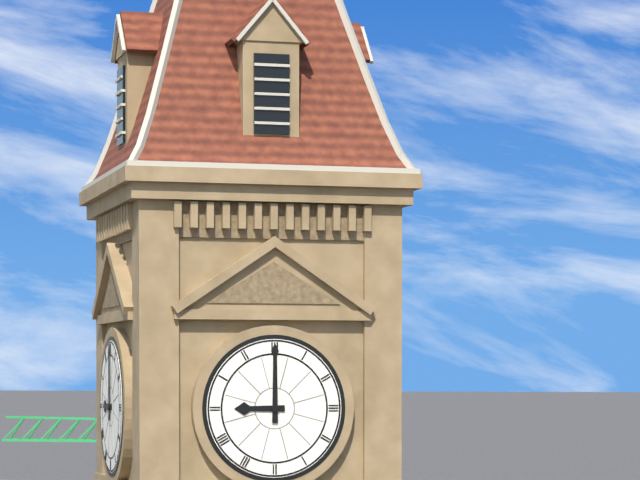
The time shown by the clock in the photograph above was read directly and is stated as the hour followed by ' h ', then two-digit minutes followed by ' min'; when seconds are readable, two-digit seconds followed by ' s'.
9 h 00 min
